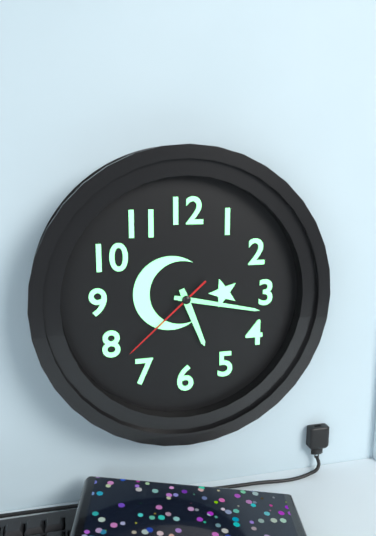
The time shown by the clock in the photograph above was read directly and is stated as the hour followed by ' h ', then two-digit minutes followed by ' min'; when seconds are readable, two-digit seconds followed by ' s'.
5 h 17 min 38 s
